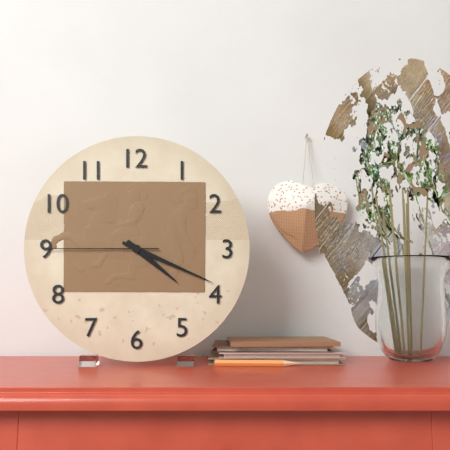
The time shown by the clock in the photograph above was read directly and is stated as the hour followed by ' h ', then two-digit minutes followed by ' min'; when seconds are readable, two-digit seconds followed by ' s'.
4 h 19 min 45 s
